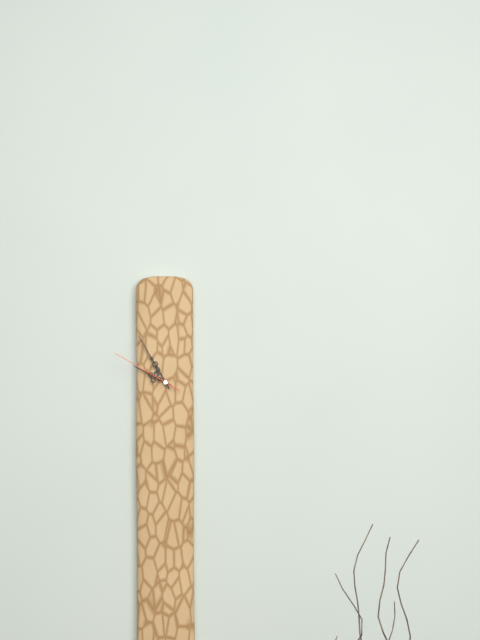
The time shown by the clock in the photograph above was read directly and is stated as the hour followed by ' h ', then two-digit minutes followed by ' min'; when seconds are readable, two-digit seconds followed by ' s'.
9 h 55 min 50 s
